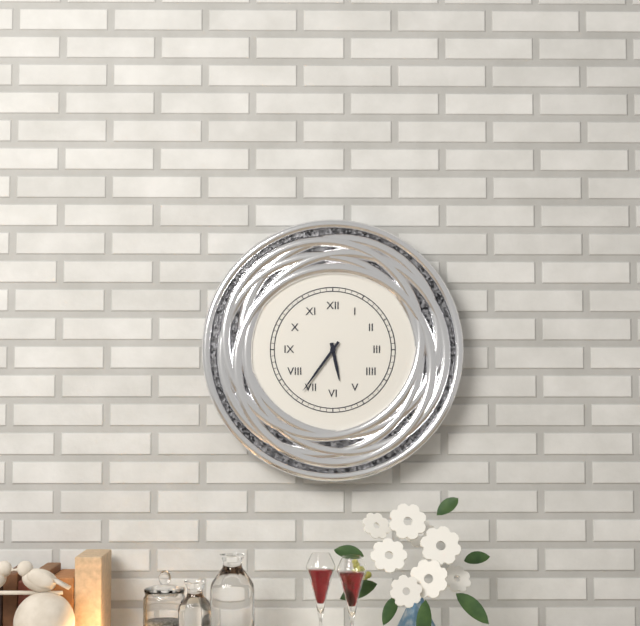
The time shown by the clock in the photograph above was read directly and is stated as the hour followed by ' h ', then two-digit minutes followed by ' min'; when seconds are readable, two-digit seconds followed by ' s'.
5 h 36 min
